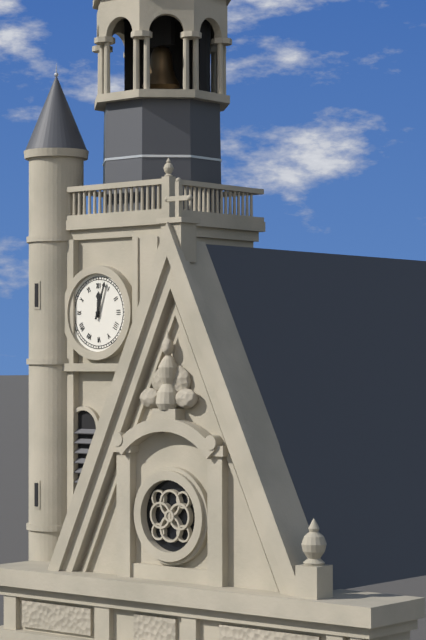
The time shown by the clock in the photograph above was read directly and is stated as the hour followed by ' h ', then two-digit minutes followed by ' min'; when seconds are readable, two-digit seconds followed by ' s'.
12 h 03 min
